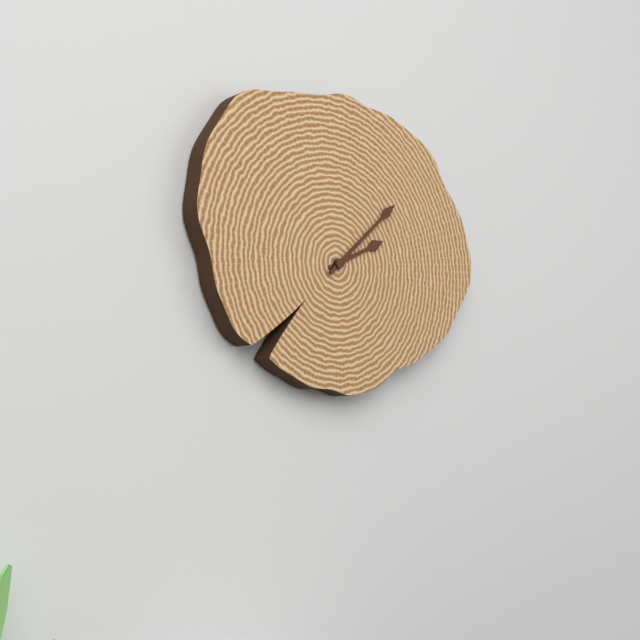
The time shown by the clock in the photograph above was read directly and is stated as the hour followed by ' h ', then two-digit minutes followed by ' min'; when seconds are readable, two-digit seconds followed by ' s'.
2 h 08 min
